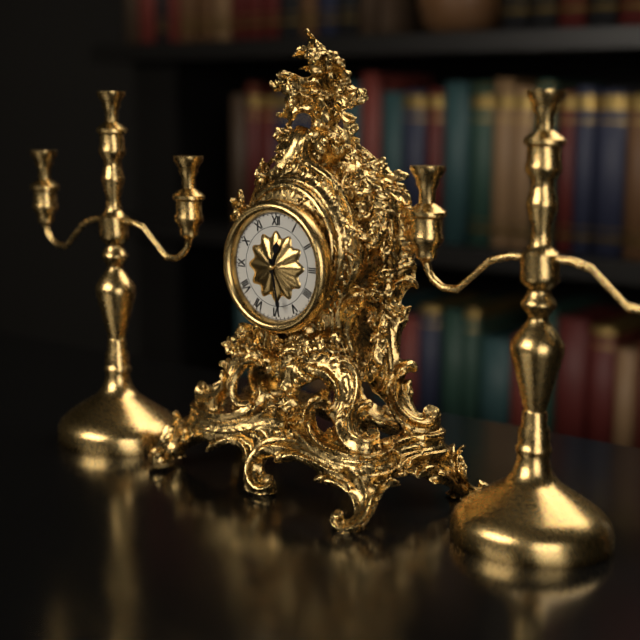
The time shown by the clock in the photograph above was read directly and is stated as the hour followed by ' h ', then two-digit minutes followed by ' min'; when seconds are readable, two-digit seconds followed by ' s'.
12 h 28 min
